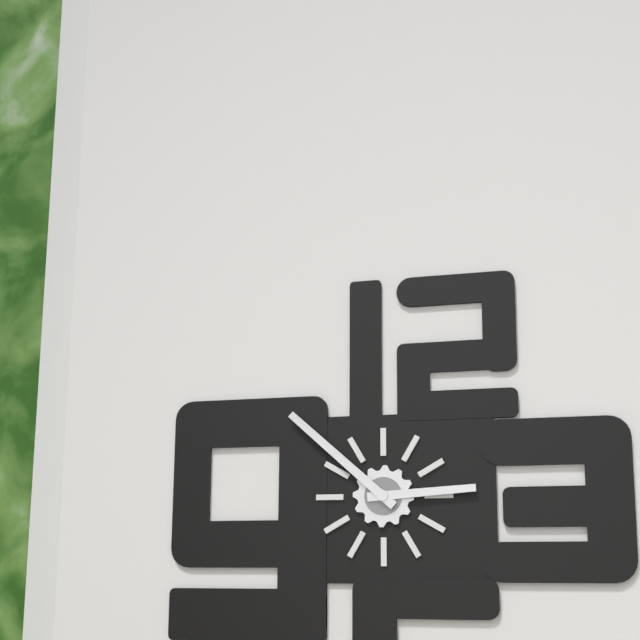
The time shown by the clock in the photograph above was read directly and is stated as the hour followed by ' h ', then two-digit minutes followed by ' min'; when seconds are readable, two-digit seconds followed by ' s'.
2 h 52 min
